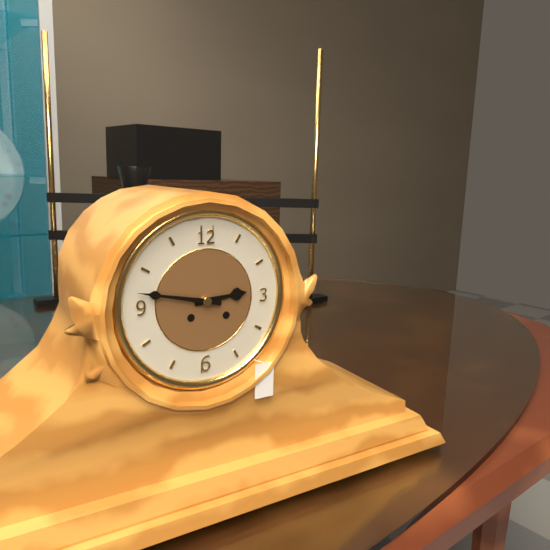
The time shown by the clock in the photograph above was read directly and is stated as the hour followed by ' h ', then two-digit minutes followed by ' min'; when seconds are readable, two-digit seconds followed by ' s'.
2 h 47 min
